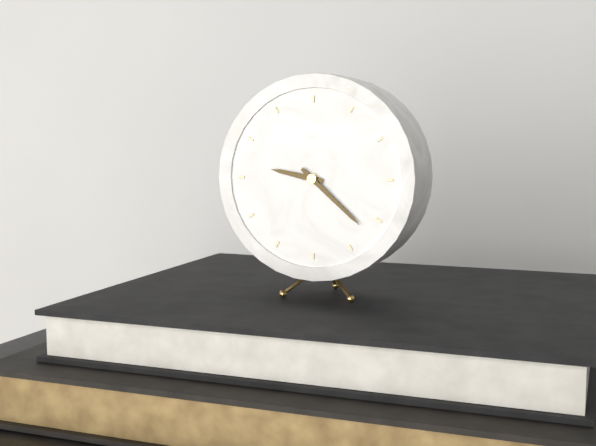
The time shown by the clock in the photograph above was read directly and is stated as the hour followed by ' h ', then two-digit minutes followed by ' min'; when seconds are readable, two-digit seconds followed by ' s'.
9 h 22 min
